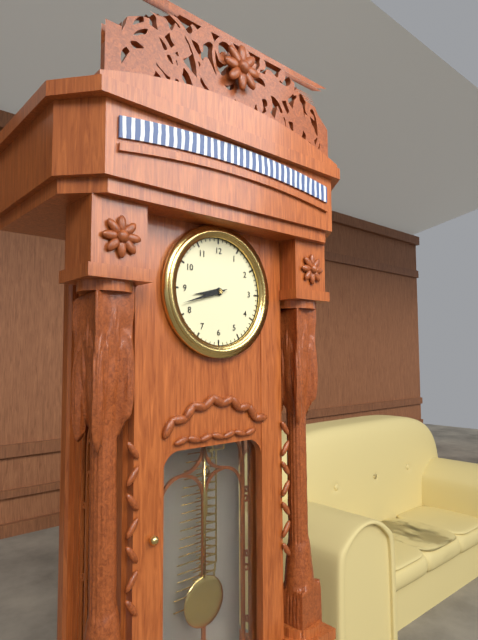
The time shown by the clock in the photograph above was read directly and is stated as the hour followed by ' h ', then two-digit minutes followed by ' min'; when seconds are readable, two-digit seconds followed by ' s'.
8 h 42 min
